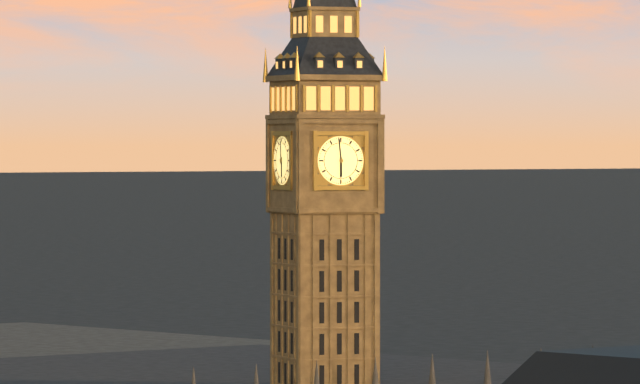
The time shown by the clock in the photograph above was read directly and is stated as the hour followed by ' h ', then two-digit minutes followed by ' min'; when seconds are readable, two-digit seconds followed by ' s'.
5 h 59 min
